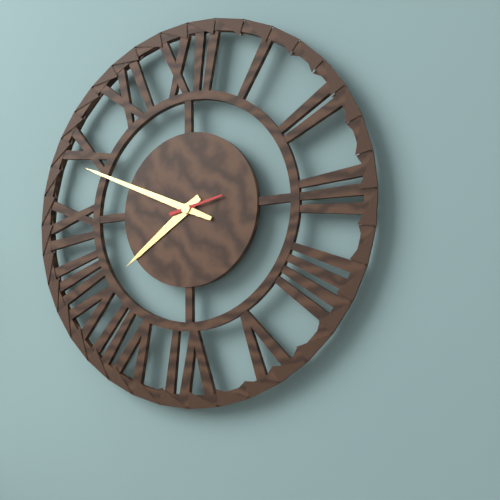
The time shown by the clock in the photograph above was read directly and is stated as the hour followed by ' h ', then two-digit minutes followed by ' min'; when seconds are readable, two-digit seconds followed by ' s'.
7 h 49 min
